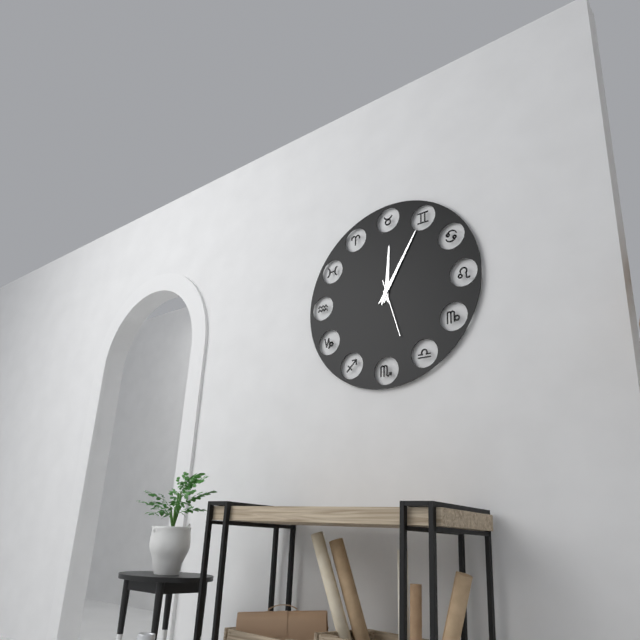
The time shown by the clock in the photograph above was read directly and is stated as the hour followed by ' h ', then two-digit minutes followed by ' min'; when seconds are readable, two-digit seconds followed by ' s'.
12 h 05 min 27 s
